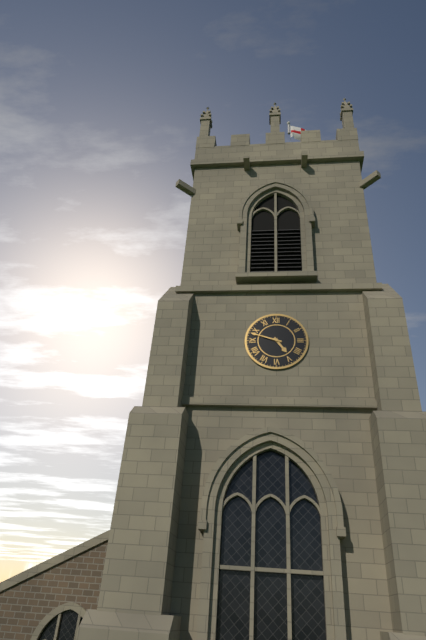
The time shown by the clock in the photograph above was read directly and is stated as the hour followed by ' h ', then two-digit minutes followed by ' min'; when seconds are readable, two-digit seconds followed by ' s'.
4 h 48 min
